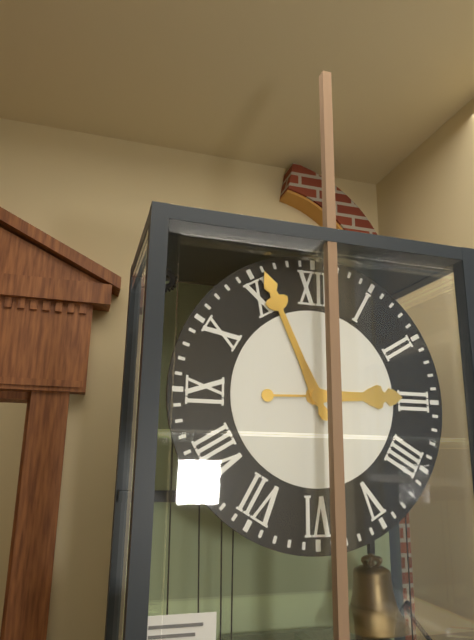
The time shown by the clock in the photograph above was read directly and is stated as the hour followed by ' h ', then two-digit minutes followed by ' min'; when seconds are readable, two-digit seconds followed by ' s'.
2 h 56 min
